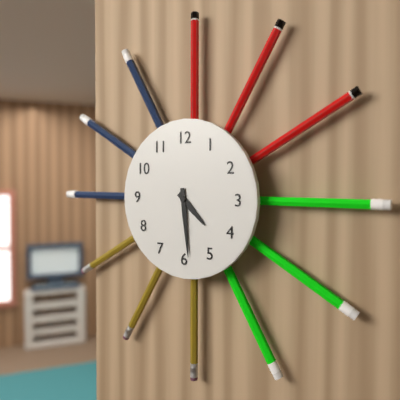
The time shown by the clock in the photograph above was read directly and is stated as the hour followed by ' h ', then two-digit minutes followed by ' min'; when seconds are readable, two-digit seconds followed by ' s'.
4 h 29 min
